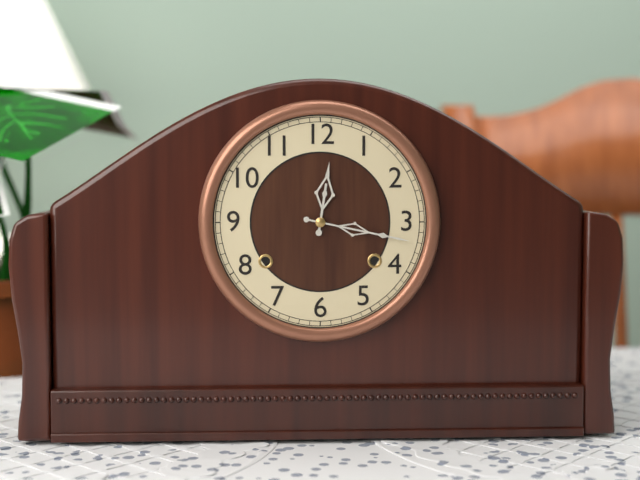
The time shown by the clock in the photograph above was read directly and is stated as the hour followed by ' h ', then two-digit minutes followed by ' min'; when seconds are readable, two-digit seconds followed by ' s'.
12 h 17 min
